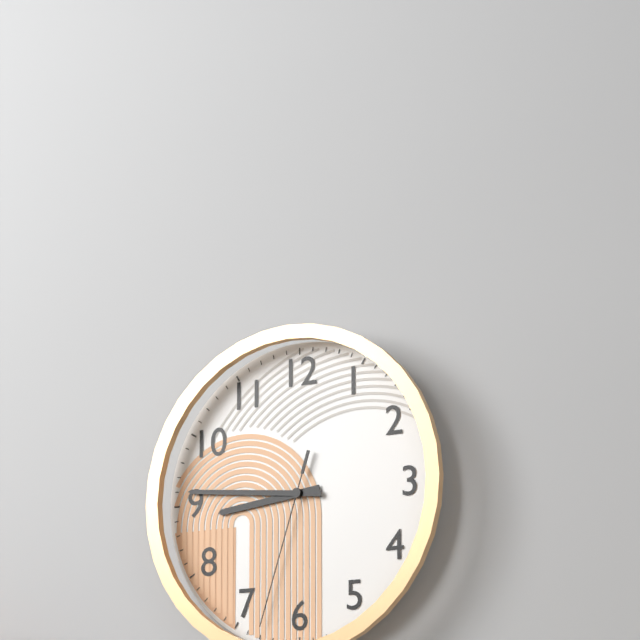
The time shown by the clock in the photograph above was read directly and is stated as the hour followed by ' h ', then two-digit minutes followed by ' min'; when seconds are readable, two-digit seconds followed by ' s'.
8 h 46 min 33 s
